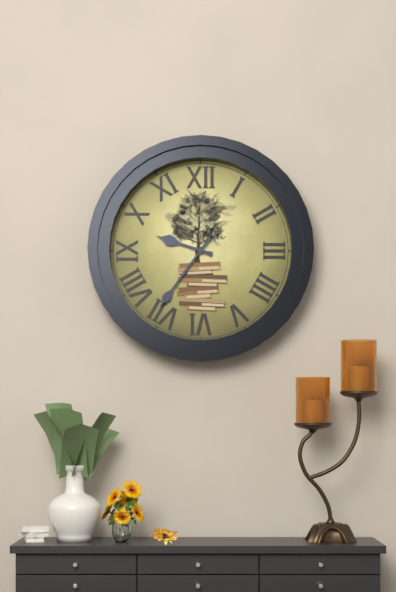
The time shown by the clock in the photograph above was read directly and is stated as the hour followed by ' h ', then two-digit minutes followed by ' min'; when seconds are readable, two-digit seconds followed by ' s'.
9 h 36 min
